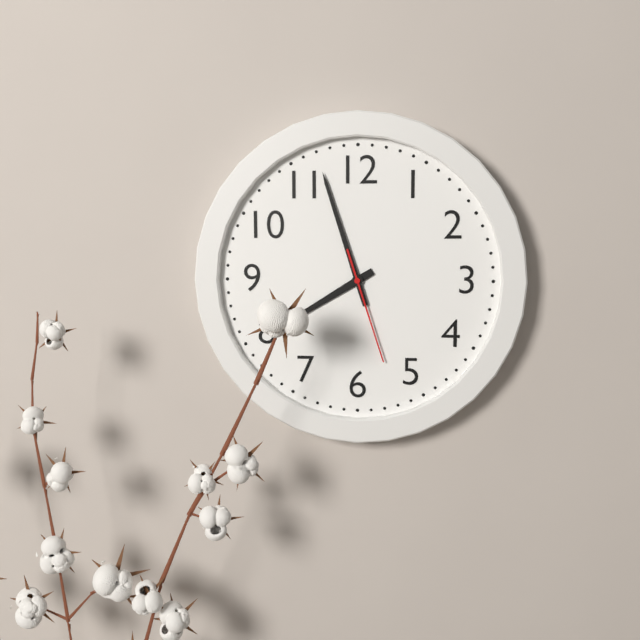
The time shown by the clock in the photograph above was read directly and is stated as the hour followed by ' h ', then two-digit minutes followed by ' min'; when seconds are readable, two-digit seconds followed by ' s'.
7 h 57 min 27 s
